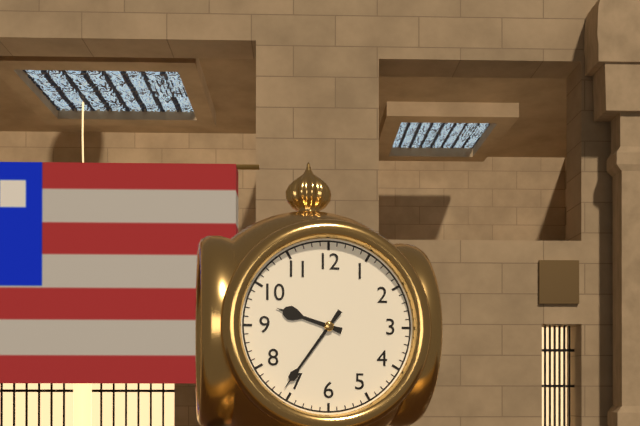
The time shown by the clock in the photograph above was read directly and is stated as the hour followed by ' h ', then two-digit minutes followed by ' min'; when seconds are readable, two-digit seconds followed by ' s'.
9 h 36 min
